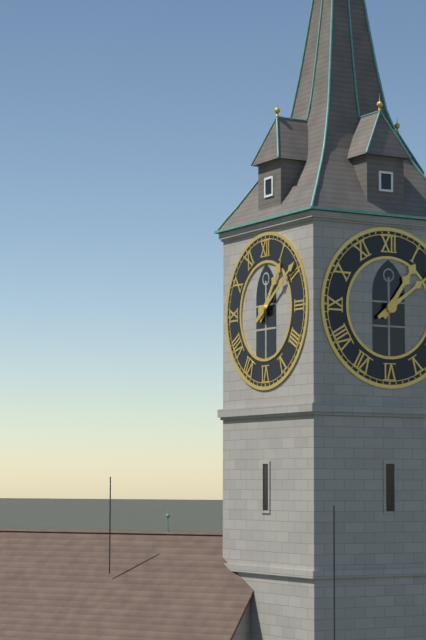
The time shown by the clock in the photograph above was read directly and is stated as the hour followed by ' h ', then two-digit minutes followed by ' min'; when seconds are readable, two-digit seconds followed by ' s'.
1 h 09 min
